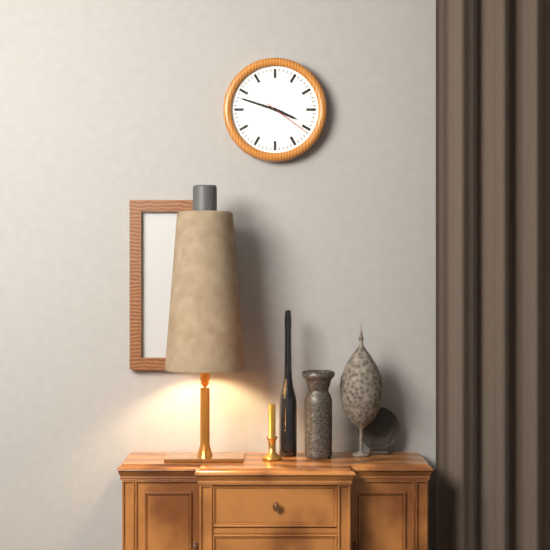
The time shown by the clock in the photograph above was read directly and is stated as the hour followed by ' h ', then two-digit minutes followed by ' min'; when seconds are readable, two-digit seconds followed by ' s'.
3 h 48 min
